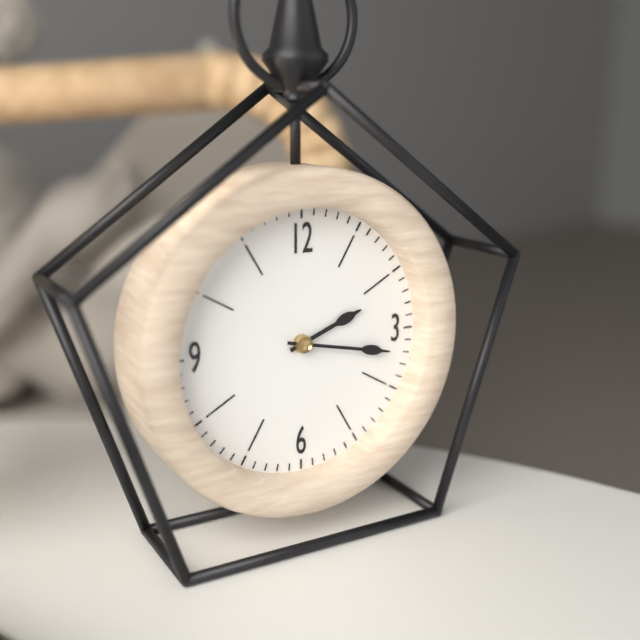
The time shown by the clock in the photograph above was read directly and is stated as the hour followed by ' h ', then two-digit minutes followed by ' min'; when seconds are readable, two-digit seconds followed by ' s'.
2 h 17 min
